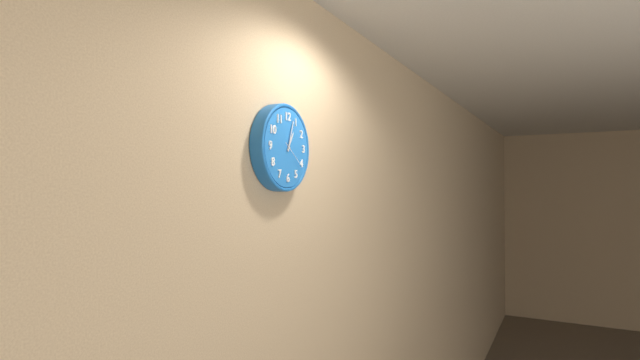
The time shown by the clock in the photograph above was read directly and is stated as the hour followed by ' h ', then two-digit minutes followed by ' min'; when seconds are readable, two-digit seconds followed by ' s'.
1 h 03 min
